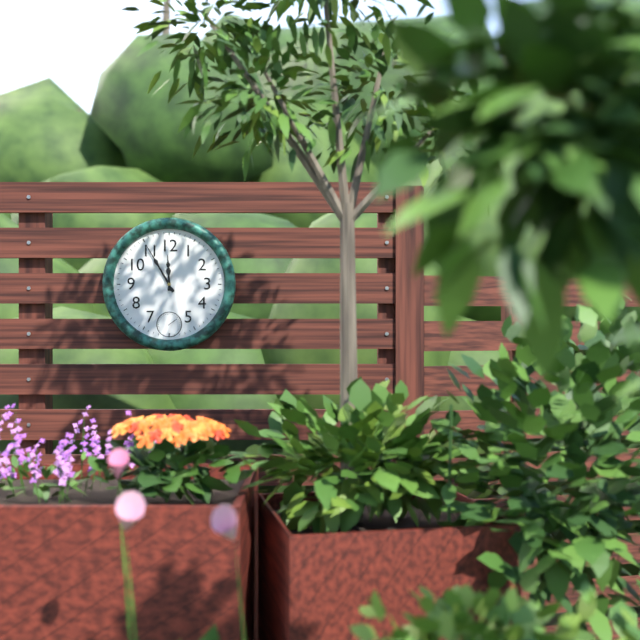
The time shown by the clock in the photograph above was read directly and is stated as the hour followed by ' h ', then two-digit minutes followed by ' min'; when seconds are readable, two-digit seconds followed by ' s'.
11 h 55 min
